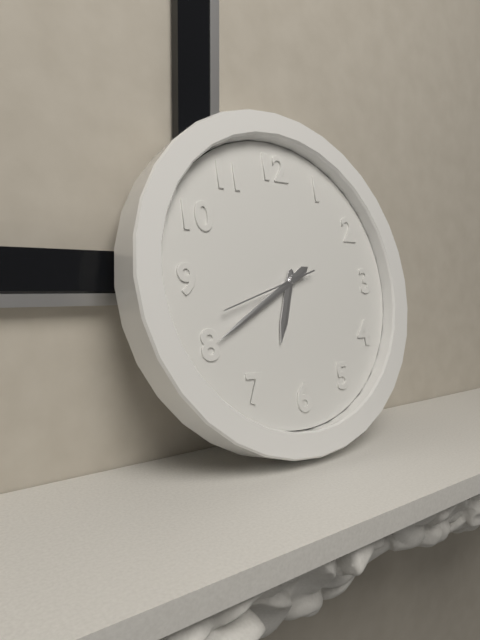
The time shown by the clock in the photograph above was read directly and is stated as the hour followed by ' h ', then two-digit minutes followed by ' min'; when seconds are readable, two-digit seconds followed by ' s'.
6 h 40 min 42 s
